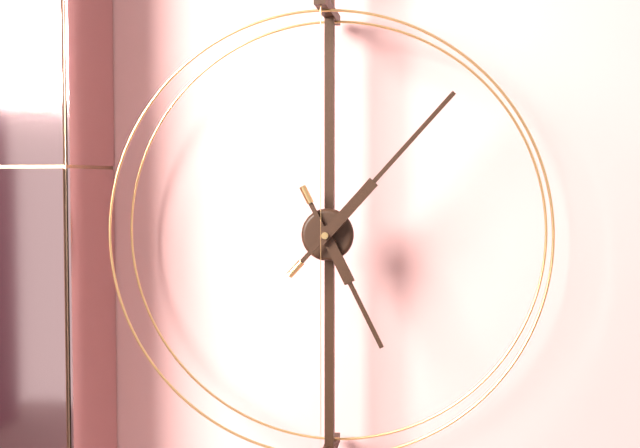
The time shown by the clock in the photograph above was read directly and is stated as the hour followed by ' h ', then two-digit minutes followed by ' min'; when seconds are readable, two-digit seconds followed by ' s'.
5 h 07 min
